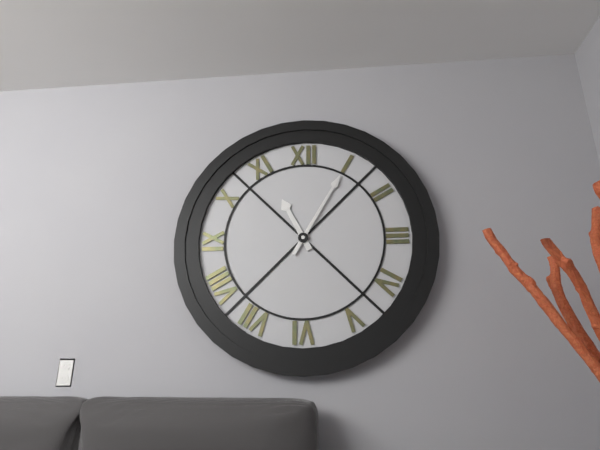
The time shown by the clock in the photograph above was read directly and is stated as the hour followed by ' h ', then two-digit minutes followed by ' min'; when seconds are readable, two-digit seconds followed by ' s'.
11 h 05 min
